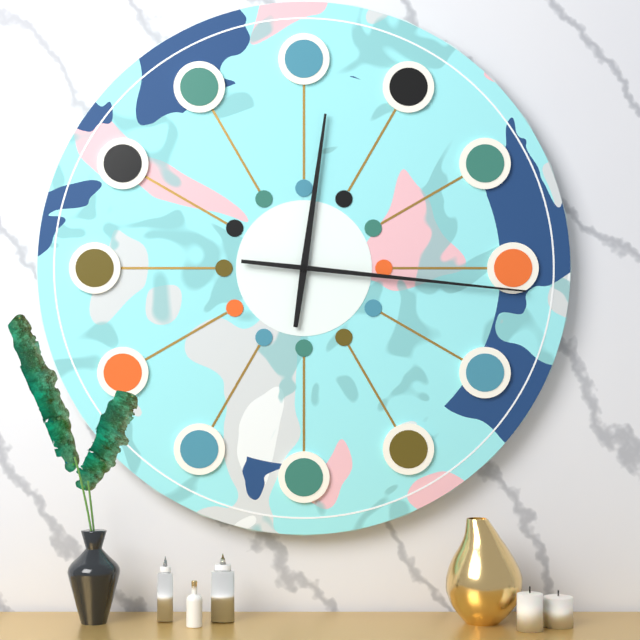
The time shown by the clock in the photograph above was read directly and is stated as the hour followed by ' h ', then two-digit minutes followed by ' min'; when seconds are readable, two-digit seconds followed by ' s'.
12 h 16 min
